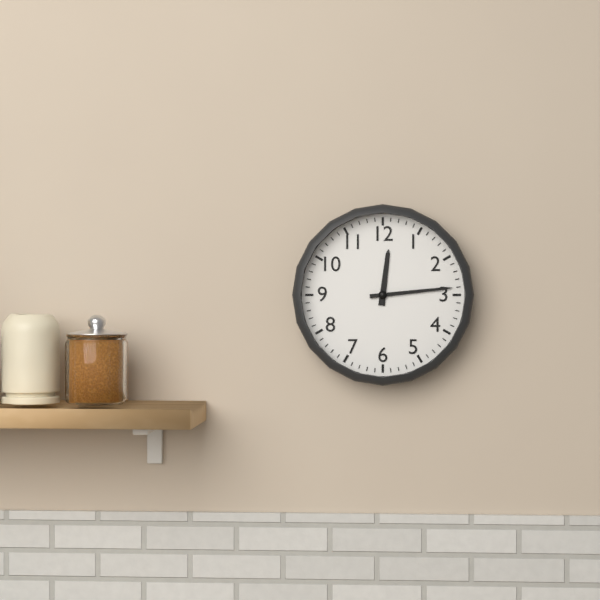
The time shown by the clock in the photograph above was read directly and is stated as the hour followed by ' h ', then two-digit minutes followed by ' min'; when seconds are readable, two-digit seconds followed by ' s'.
12 h 14 min
